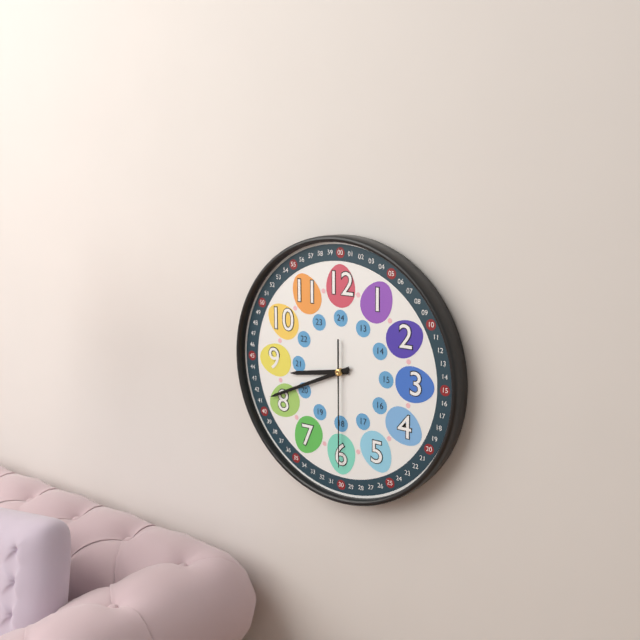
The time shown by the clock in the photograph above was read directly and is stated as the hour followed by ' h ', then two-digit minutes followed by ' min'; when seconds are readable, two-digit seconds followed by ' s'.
8 h 41 min 30 s
